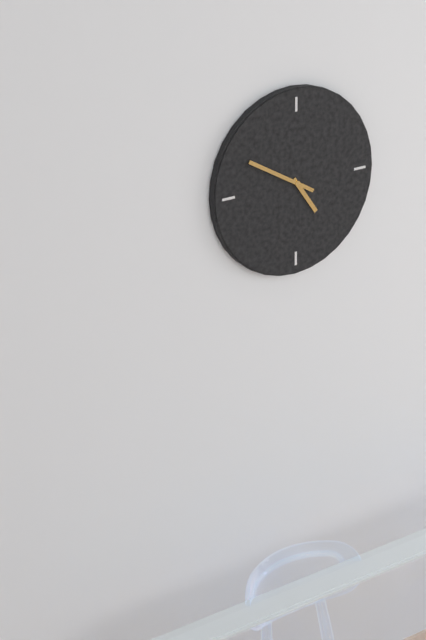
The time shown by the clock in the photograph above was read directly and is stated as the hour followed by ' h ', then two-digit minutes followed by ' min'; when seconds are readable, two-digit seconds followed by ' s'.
4 h 50 min
